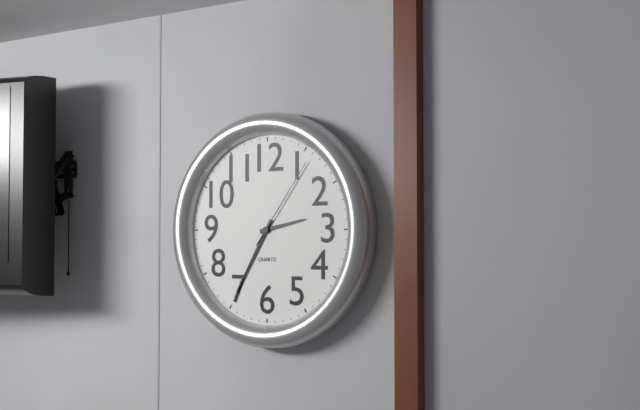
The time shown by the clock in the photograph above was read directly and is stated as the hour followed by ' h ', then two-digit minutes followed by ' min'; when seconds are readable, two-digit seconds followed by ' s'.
2 h 35 min 06 s
